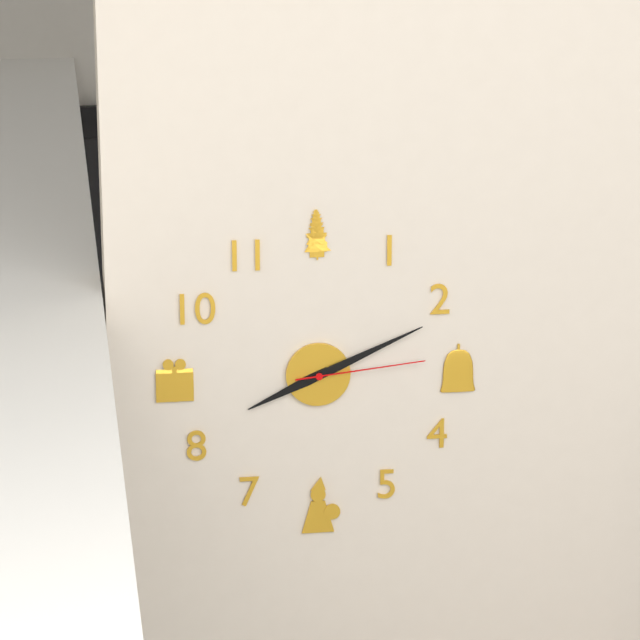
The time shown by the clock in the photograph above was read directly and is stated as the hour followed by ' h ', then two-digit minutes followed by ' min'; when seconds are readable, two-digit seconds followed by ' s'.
8 h 11 min 14 s
